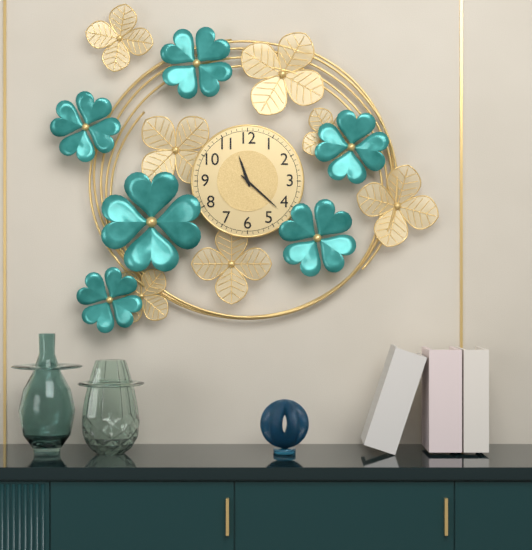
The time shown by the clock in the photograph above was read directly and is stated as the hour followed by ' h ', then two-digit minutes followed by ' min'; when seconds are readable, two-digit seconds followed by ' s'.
11 h 22 min
